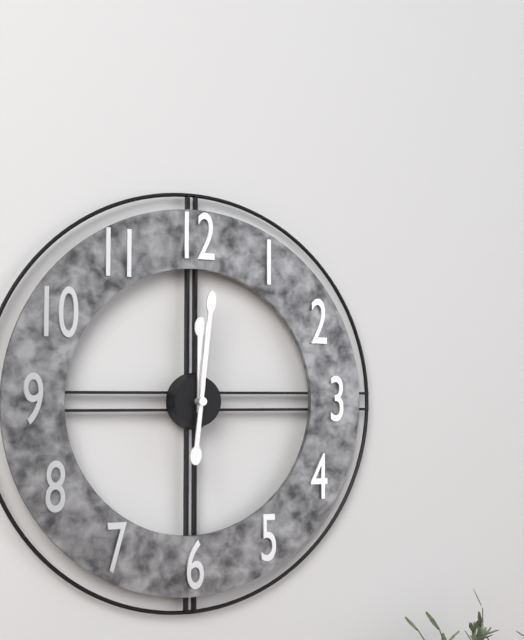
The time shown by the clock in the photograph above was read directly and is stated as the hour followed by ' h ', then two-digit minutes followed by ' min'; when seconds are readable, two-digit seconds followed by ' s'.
12 h 01 min
